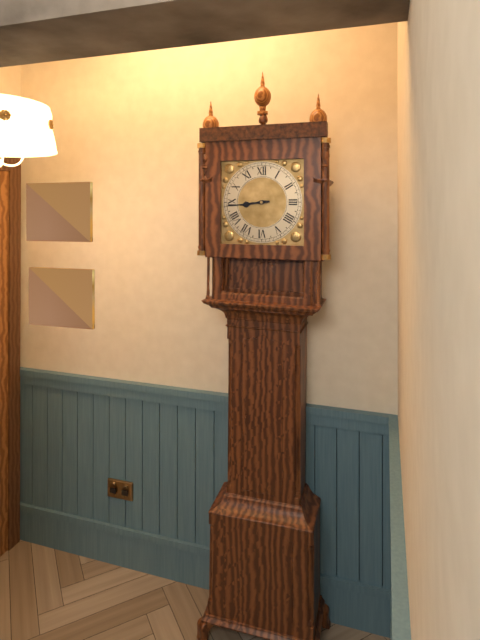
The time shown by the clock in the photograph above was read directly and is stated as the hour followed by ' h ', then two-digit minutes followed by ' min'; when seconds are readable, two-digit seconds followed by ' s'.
8 h 44 min
